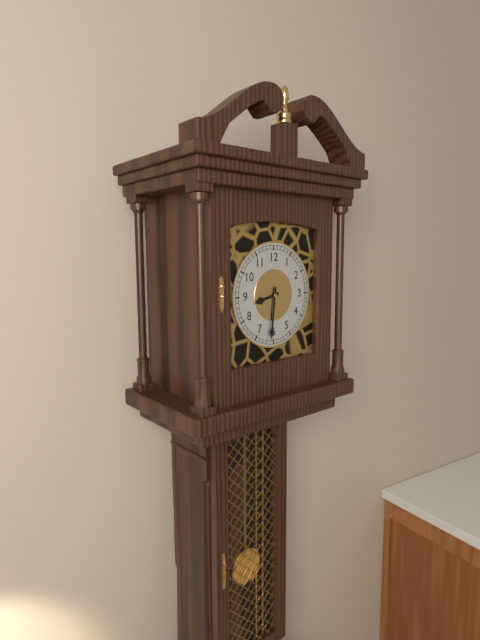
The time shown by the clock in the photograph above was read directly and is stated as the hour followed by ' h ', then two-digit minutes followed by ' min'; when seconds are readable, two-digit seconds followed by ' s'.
8 h 31 min
